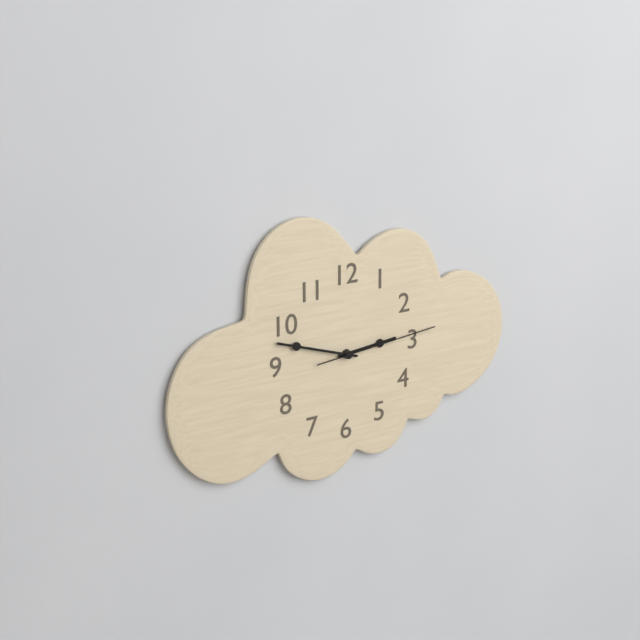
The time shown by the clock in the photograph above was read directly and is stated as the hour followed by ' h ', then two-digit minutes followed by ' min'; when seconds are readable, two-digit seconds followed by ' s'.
2 h 48 min 14 s
